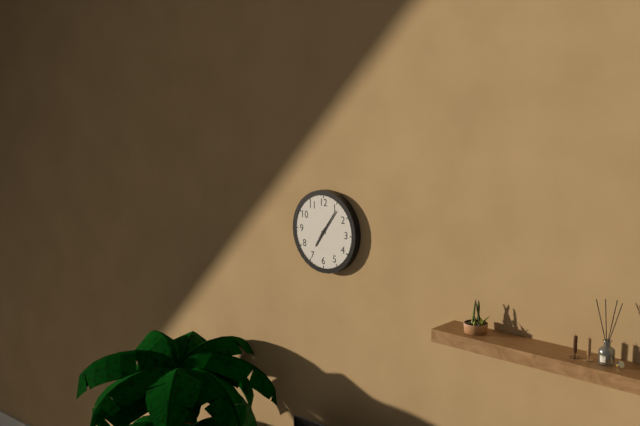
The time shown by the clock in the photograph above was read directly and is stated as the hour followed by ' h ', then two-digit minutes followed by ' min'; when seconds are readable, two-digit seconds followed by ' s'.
7 h 06 min
